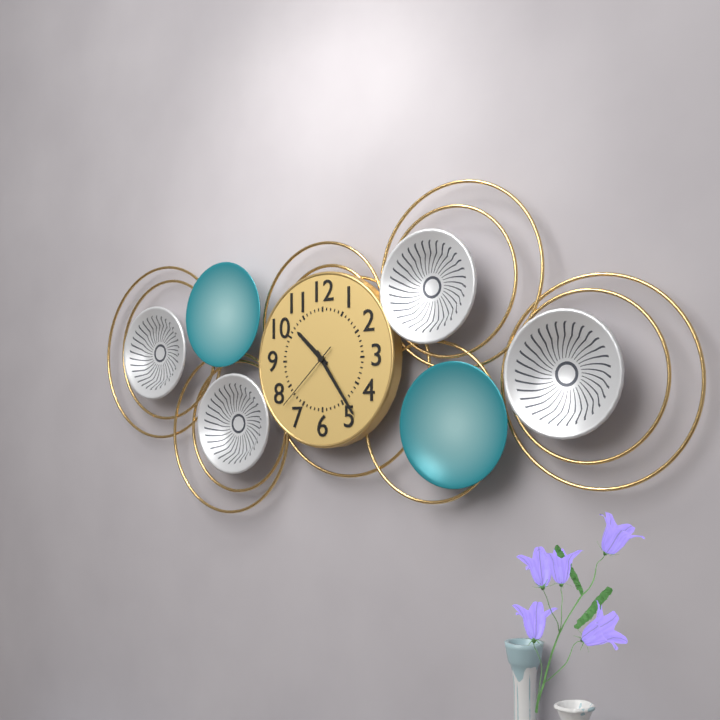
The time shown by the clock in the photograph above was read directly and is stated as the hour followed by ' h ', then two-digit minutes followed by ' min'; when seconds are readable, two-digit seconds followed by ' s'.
10 h 24 min 38 s
